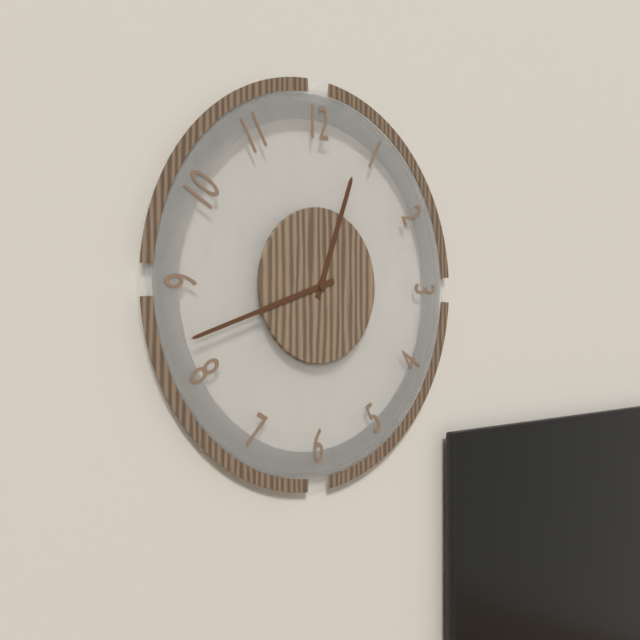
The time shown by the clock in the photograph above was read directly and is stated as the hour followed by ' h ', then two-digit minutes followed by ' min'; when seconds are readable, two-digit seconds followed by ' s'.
12 h 42 min
